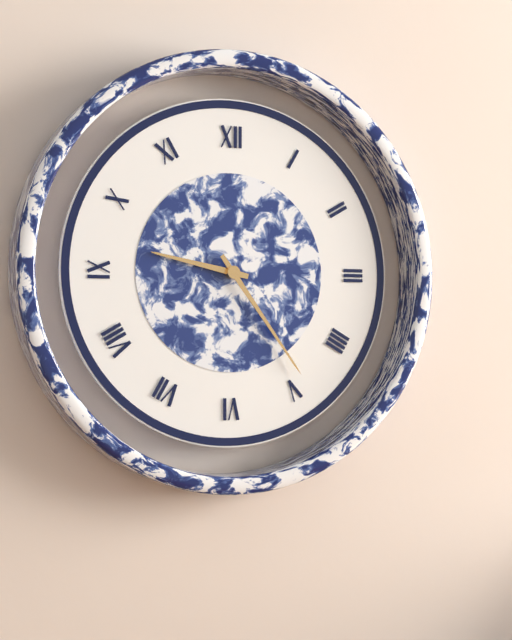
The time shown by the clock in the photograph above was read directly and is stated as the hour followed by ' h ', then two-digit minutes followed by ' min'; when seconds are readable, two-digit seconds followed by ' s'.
9 h 24 min
